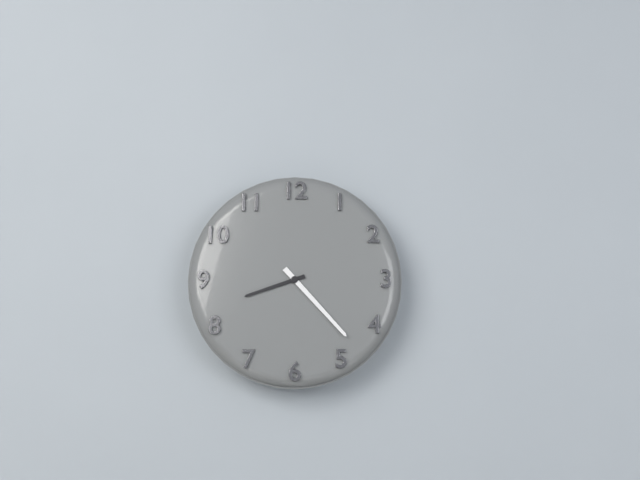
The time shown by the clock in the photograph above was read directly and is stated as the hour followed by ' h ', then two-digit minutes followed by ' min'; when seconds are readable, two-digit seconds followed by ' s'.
8 h 23 min
